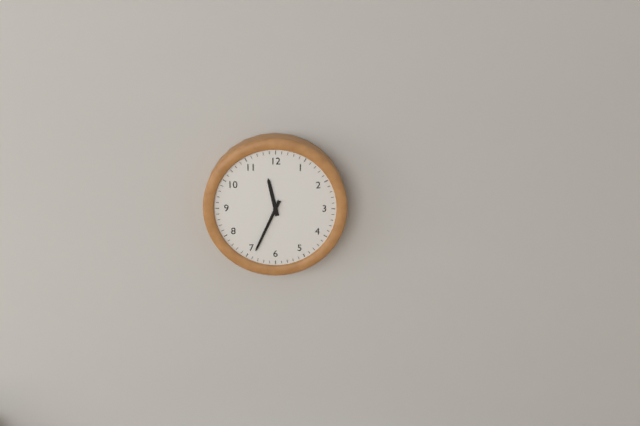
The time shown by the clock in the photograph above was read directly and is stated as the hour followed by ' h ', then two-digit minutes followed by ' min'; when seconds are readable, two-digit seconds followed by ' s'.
11 h 34 min
